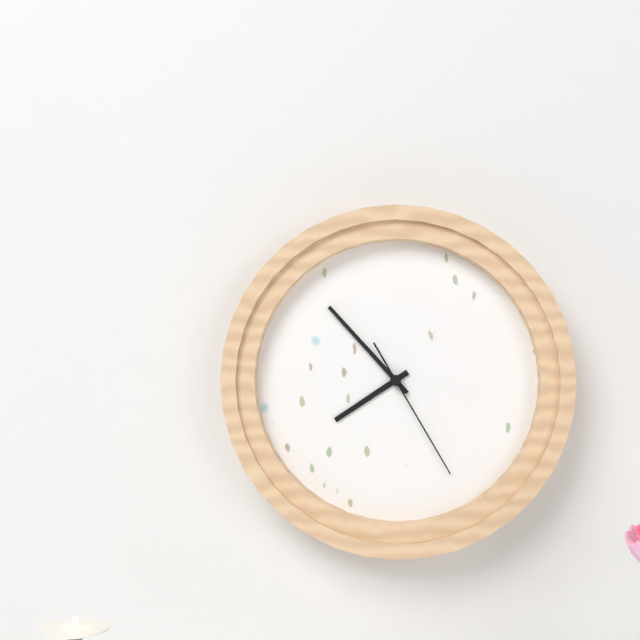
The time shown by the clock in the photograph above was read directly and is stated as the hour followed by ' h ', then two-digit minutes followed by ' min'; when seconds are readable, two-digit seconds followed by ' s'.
7 h 53 min 25 s
